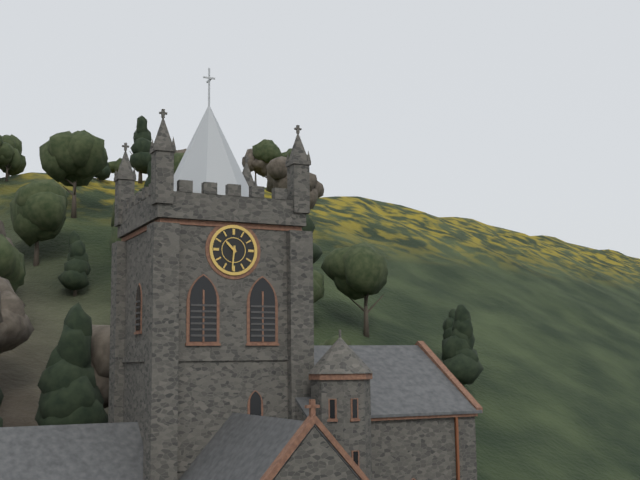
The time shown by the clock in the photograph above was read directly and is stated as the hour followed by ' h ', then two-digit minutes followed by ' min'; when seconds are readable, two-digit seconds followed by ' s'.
10 h 31 min
